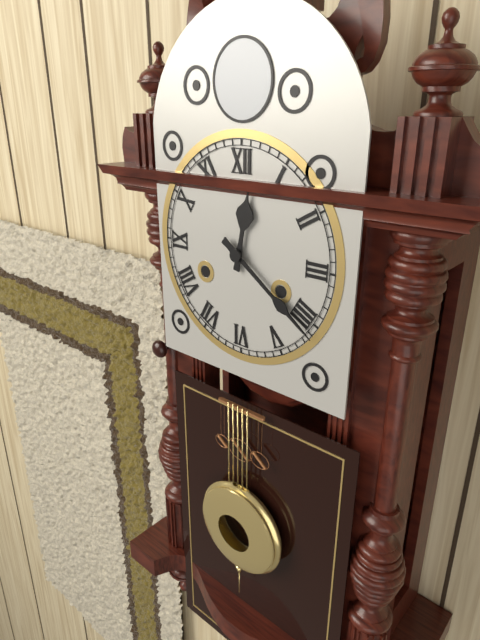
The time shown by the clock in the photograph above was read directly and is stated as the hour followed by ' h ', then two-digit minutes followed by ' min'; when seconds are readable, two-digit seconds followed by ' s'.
12 h 21 min
